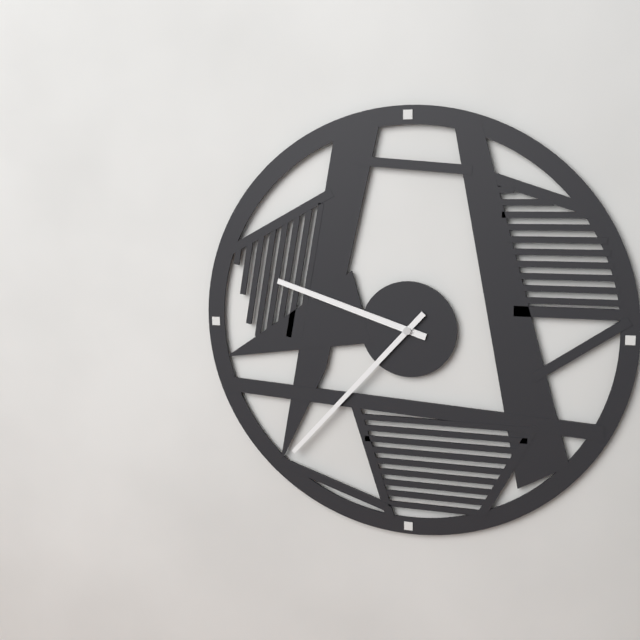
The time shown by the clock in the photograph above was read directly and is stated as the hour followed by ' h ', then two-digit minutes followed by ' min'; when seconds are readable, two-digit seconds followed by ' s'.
9 h 37 min
